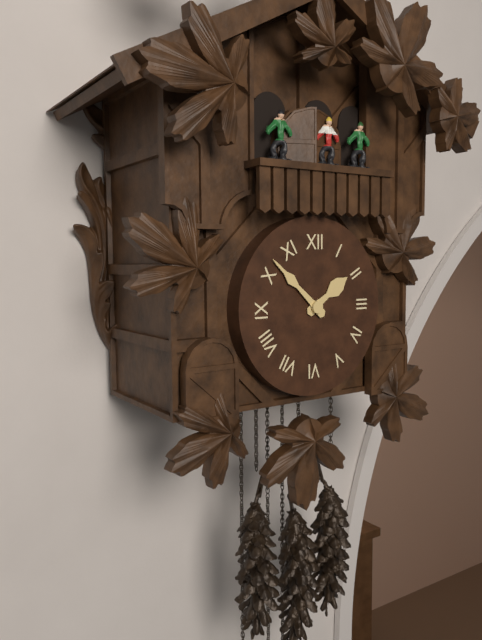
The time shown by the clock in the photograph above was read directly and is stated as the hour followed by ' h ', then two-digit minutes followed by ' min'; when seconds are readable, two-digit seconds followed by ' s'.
1 h 52 min
